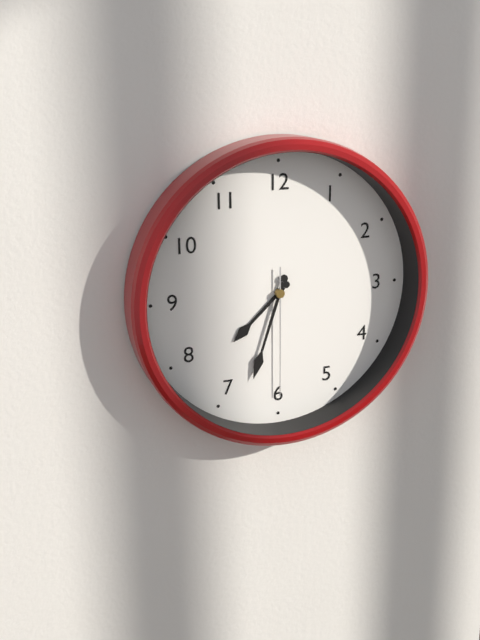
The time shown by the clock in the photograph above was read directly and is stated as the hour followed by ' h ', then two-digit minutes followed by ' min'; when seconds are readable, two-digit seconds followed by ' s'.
7 h 33 min 30 s
